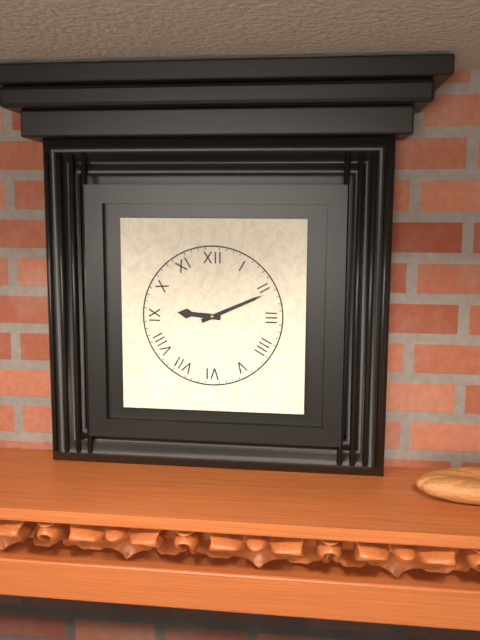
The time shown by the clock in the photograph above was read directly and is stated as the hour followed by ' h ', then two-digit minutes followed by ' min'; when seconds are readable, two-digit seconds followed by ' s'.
9 h 11 min
